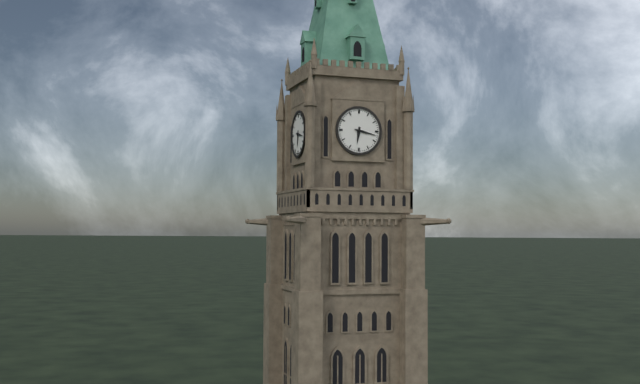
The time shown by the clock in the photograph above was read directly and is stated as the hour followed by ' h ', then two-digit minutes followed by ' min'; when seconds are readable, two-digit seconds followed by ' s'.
6 h 17 min
